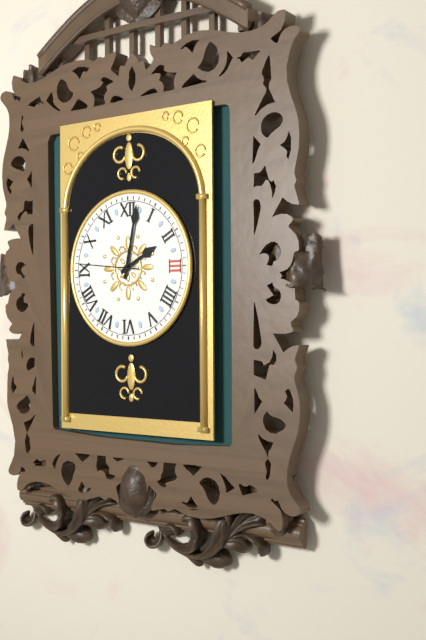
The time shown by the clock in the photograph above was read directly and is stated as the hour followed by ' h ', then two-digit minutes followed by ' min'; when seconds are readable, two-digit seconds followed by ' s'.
2 h 02 min 46 s
